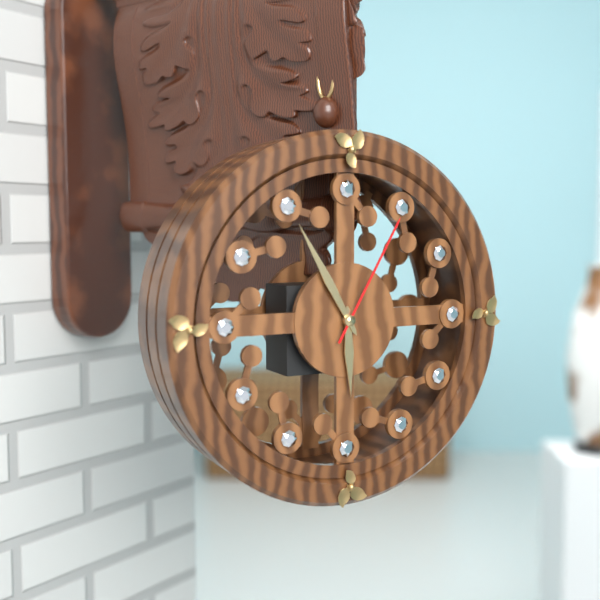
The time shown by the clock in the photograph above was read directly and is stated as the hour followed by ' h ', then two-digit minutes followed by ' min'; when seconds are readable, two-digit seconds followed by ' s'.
5 h 55 min 05 s
